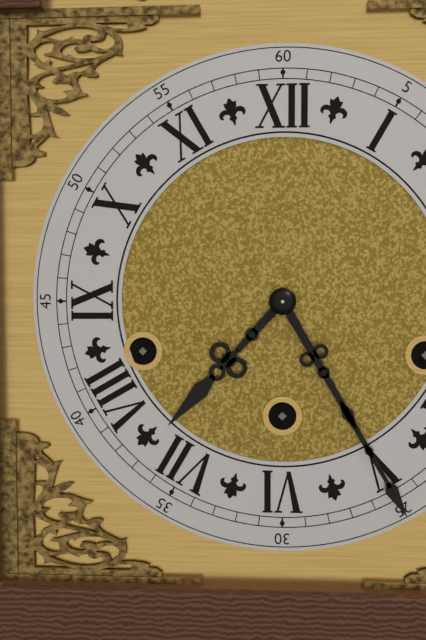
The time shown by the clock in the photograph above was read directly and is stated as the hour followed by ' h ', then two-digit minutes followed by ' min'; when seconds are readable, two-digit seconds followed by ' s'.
7 h 25 min
